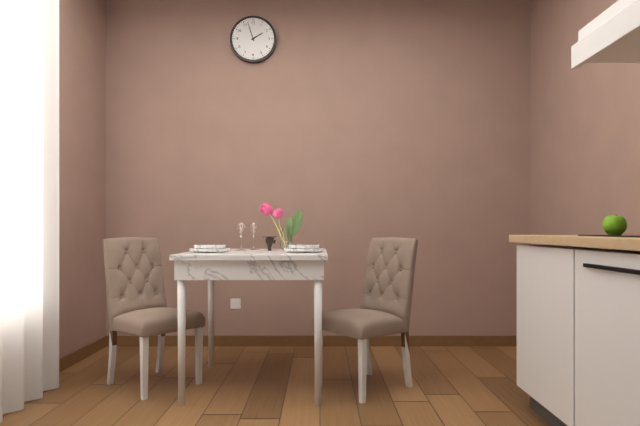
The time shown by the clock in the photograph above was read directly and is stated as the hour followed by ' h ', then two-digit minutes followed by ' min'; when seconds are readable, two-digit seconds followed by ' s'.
1 h 57 min
